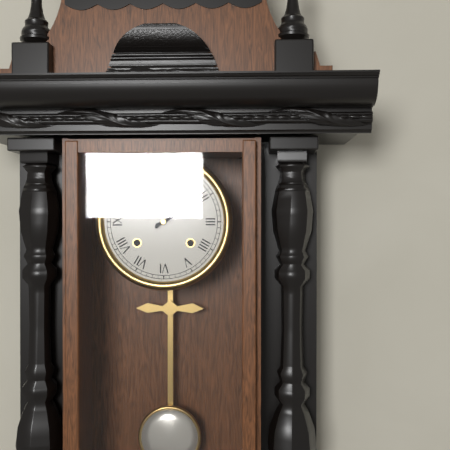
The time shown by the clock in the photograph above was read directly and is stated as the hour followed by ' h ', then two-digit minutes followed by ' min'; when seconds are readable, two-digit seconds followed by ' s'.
2 h 09 min
